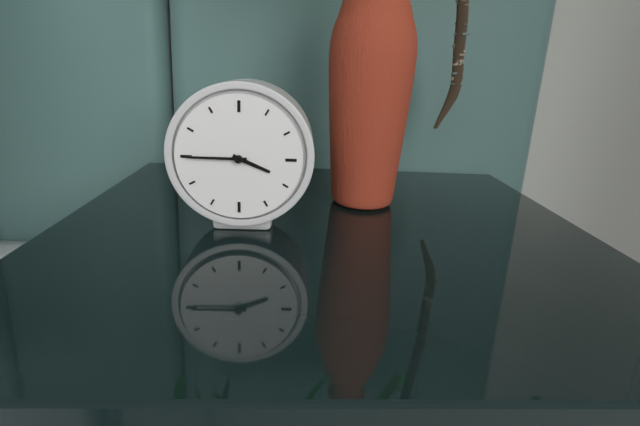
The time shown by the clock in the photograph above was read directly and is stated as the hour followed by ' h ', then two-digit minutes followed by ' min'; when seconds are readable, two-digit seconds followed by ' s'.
3 h 45 min
